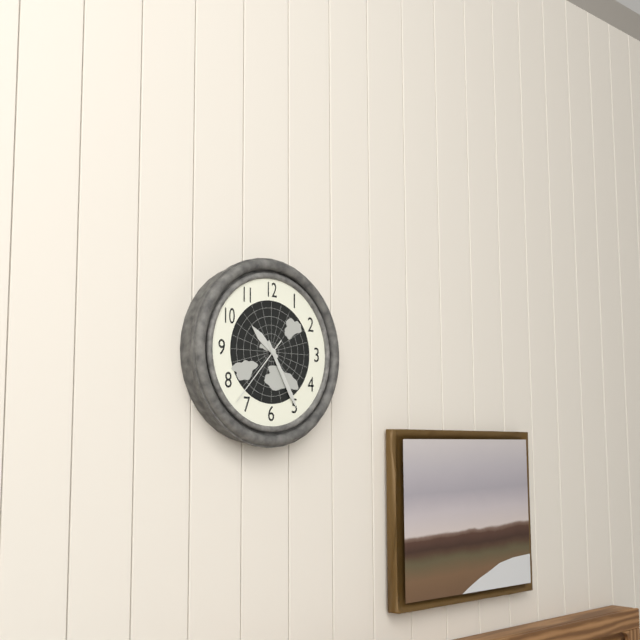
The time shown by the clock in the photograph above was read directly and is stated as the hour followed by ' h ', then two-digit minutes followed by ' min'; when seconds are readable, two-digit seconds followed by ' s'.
10 h 25 min 37 s
